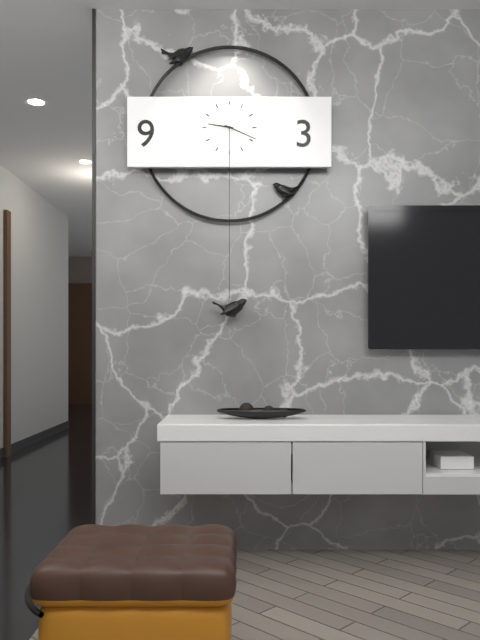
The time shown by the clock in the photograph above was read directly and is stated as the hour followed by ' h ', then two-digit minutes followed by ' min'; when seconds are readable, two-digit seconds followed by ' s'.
9 h 19 min
